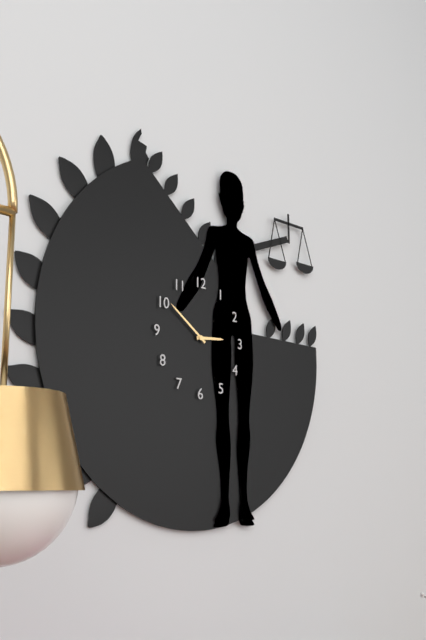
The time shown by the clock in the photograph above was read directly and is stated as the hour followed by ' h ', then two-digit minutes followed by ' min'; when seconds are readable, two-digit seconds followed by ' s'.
2 h 51 min
